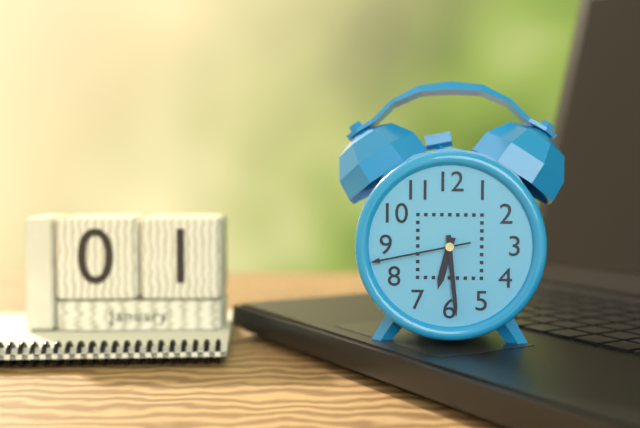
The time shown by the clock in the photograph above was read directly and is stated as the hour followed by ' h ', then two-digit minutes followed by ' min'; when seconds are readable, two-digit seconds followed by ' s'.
6 h 29 min 43 s
